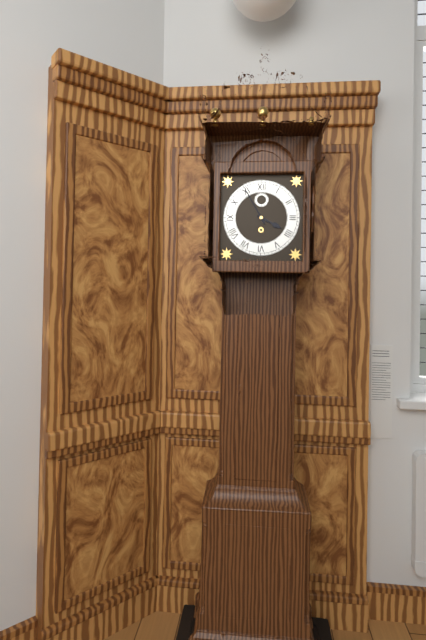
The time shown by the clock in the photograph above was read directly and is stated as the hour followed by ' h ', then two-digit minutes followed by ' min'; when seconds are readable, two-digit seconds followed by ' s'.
3 h 55 min
